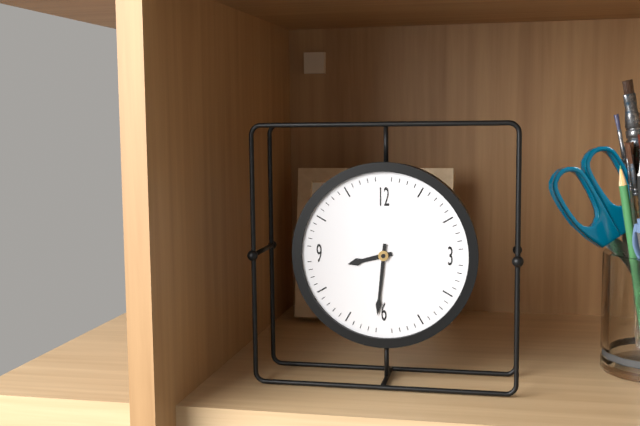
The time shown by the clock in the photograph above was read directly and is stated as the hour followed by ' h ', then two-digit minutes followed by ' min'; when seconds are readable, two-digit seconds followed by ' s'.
8 h 31 min
